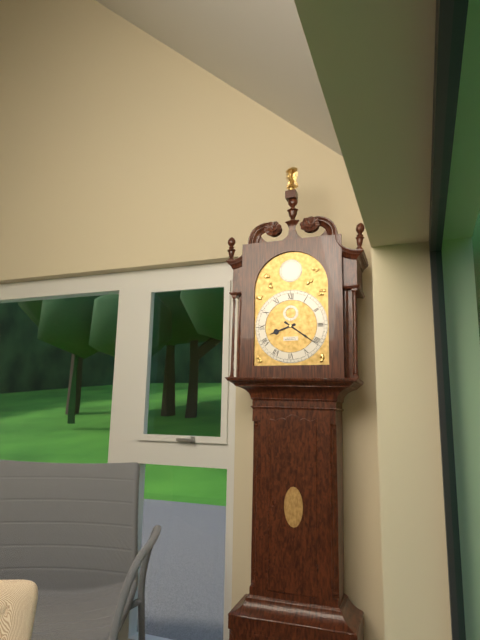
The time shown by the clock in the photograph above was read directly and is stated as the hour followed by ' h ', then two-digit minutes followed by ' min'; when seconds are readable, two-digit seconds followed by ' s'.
8 h 21 min
